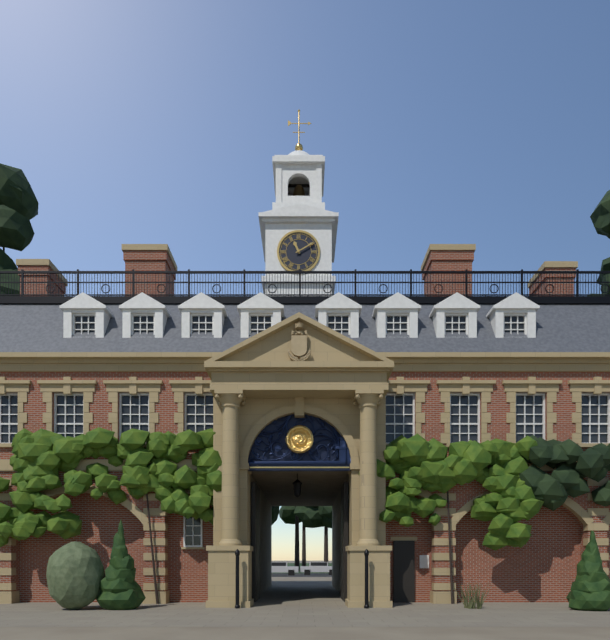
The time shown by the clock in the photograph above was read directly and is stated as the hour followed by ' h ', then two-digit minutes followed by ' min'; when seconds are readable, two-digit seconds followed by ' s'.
11 h 10 min
